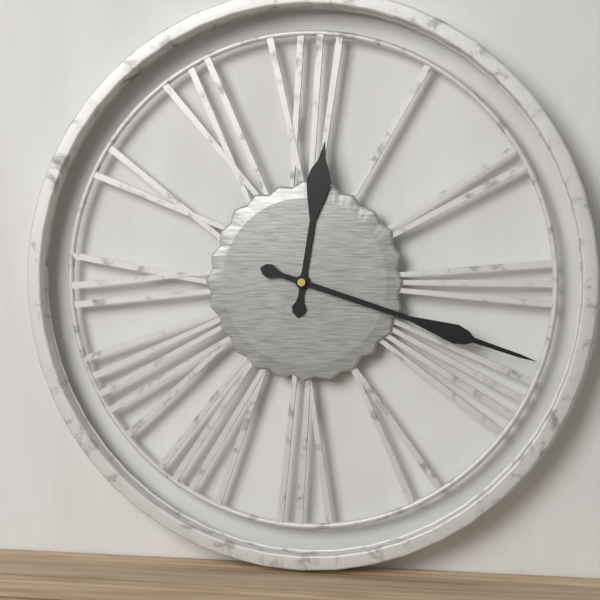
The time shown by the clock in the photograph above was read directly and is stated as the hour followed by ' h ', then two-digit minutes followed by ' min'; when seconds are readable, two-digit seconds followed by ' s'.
12 h 18 min
